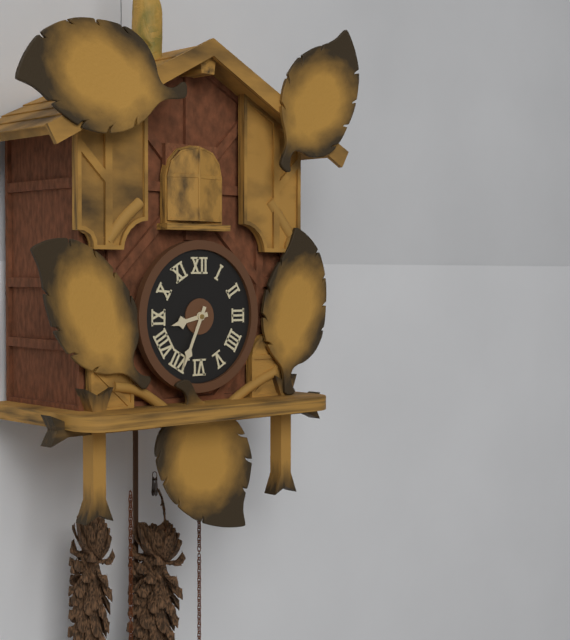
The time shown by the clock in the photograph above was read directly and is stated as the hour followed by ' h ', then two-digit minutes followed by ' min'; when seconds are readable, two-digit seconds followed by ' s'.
8 h 34 min
